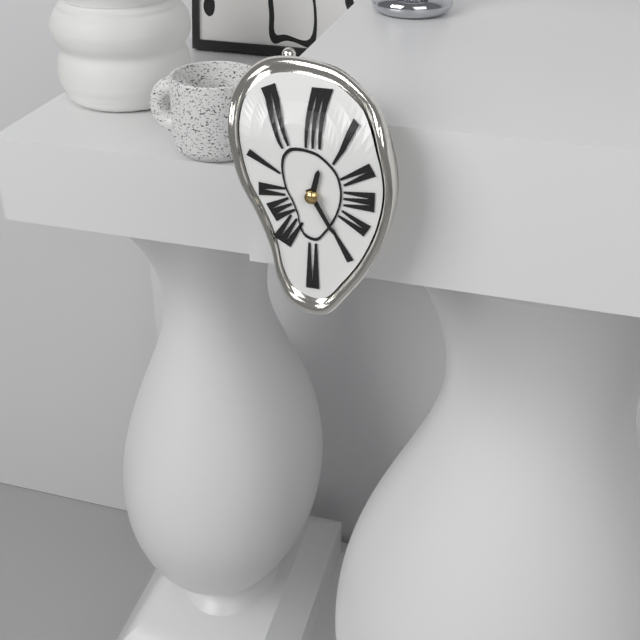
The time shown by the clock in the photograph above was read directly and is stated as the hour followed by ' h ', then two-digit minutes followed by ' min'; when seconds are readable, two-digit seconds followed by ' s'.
12 h 25 min
